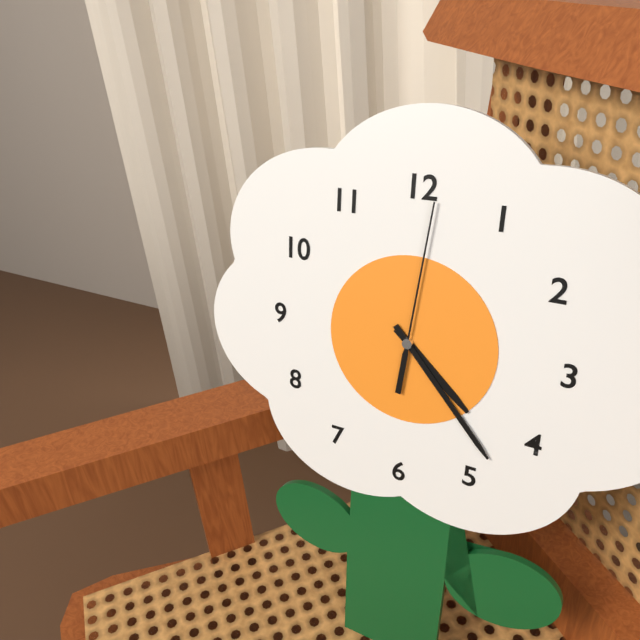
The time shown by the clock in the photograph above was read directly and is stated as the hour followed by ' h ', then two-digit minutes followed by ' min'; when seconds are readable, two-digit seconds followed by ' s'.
4 h 23 min 01 s
